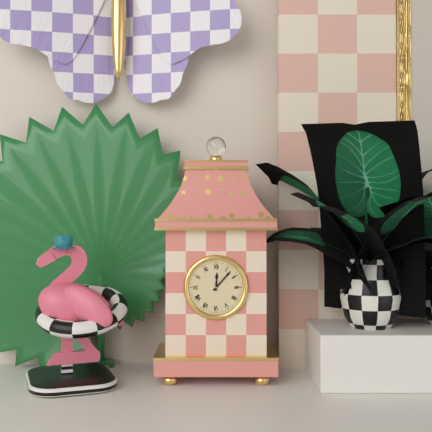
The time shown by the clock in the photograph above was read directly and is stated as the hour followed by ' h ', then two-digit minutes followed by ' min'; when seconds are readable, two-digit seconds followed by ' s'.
12 h 07 min
